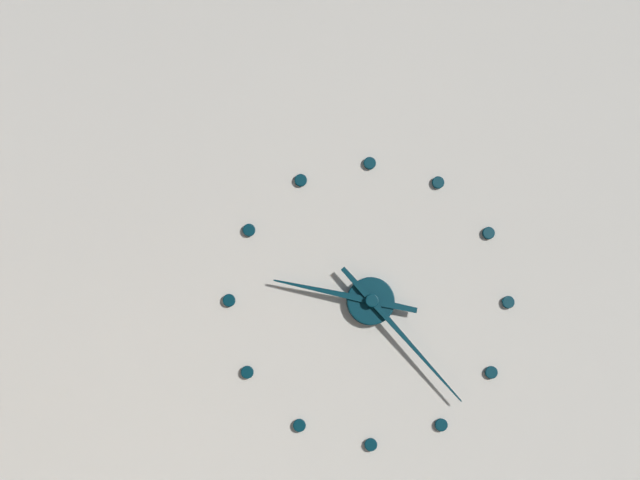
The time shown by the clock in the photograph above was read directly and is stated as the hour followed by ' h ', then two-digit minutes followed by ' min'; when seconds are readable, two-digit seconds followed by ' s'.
9 h 23 min
